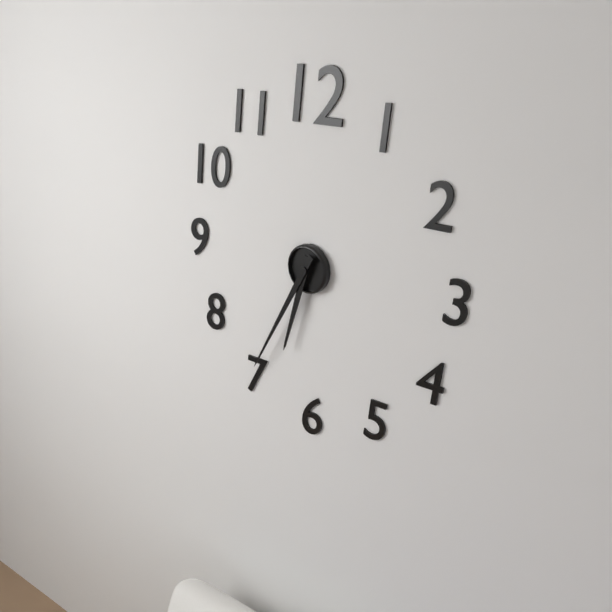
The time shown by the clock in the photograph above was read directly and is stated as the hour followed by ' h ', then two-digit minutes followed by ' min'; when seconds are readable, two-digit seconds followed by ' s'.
6 h 35 min
